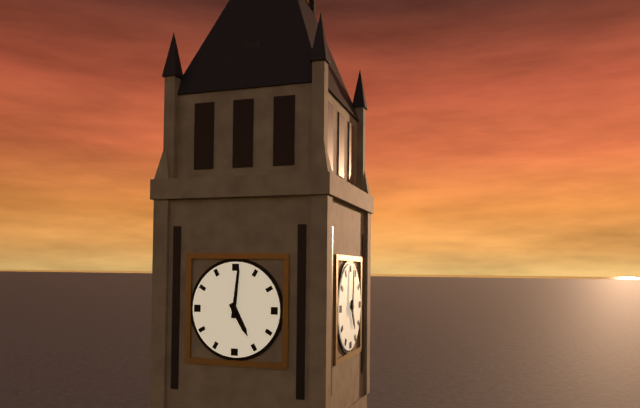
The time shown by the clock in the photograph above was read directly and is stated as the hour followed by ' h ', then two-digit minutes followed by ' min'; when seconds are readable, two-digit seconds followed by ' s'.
5 h 01 min
